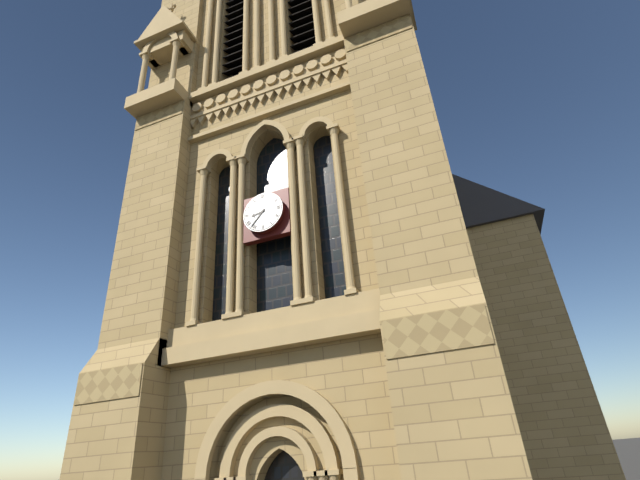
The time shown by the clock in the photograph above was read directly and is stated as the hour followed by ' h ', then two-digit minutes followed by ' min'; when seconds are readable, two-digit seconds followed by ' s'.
8 h 37 min
